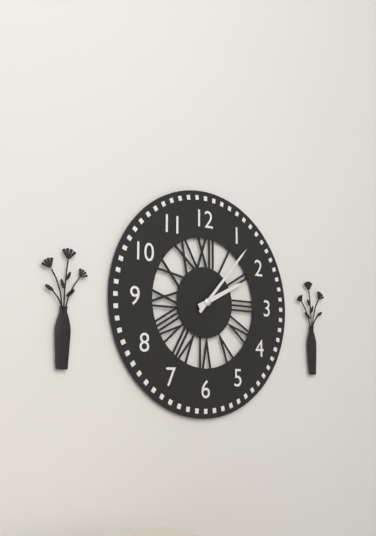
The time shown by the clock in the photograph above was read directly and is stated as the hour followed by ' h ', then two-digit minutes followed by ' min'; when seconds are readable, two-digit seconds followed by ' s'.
2 h 07 min
